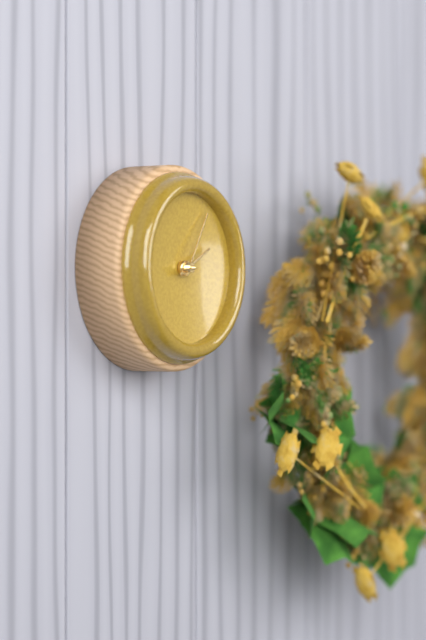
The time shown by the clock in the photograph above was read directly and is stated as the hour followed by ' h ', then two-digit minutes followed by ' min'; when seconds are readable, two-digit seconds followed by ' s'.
2 h 05 min
